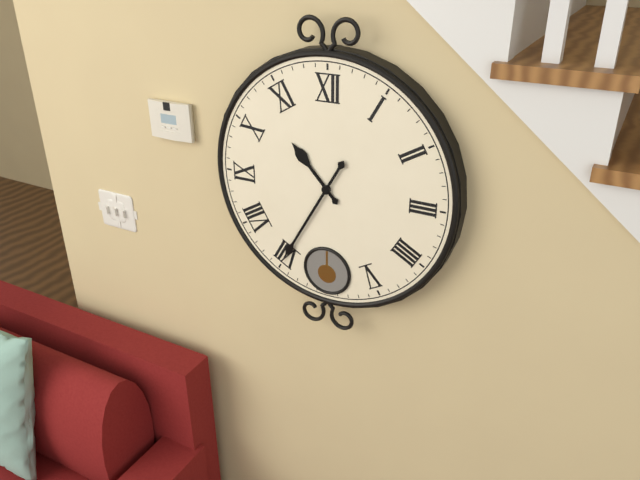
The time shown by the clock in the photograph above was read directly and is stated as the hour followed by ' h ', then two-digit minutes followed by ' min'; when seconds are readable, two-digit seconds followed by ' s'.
10 h 35 min
